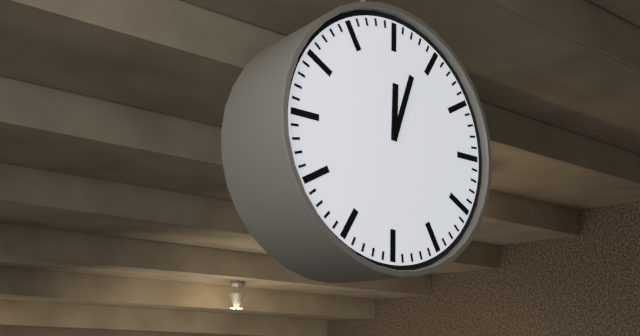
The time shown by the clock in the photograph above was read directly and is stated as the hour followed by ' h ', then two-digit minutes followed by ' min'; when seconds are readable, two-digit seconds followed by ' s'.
12 h 03 min
